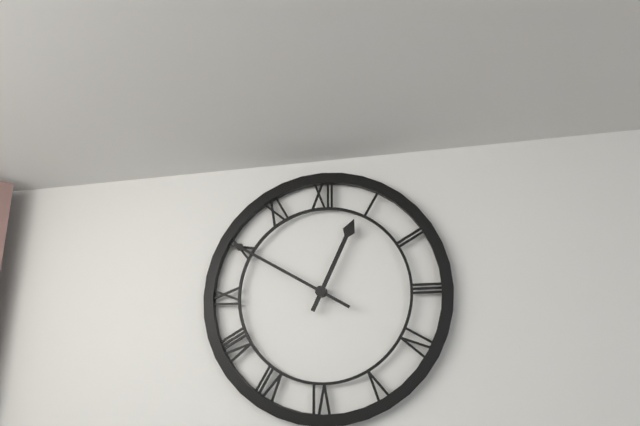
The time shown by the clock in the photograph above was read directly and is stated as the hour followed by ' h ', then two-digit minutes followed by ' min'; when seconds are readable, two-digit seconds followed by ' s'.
12 h 50 min
